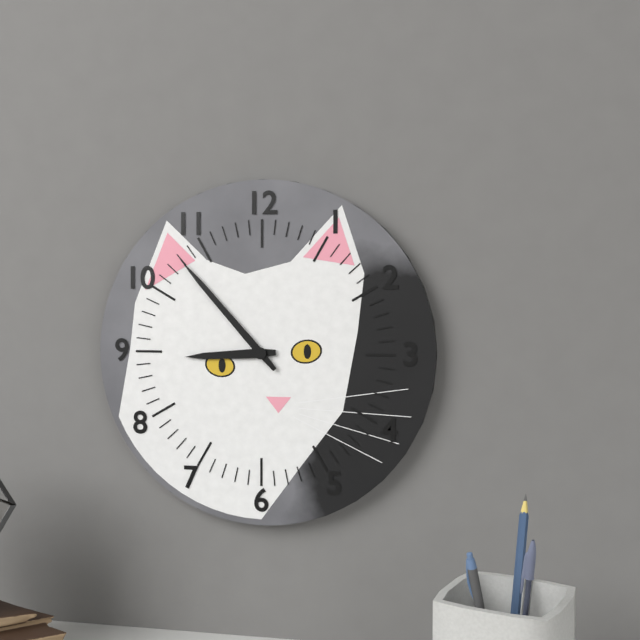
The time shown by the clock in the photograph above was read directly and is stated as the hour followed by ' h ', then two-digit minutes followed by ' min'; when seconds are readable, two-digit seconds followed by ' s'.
8 h 53 min
